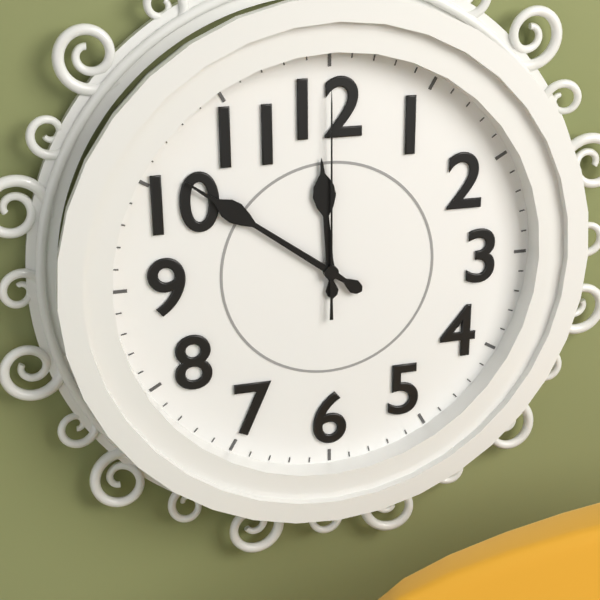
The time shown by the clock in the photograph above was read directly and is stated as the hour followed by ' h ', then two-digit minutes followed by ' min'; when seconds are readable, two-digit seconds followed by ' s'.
11 h 51 min 00 s
